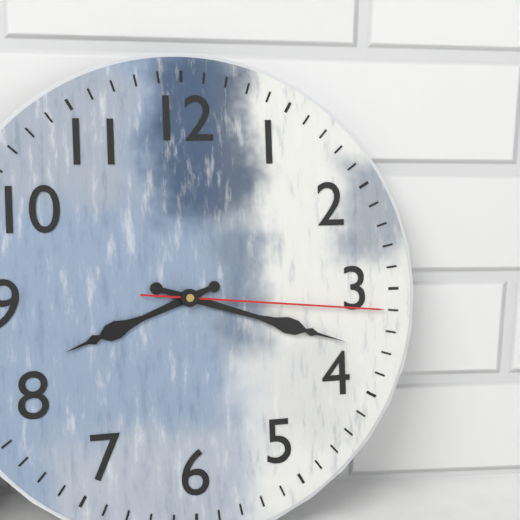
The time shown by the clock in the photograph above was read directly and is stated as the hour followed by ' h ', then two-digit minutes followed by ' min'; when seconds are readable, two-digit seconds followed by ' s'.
8 h 18 min 16 s
